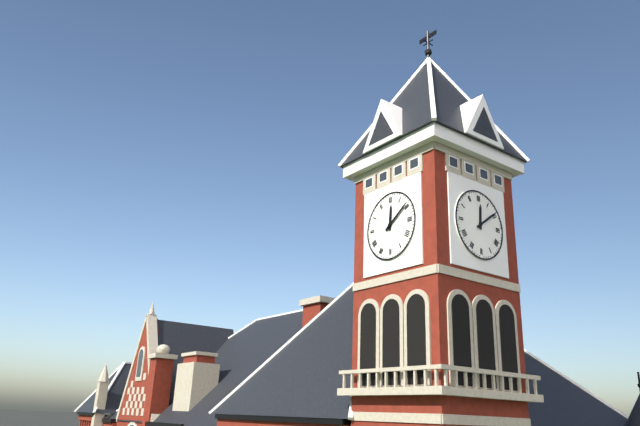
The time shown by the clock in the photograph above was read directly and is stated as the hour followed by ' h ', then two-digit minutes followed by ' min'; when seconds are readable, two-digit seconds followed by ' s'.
12 h 09 min
